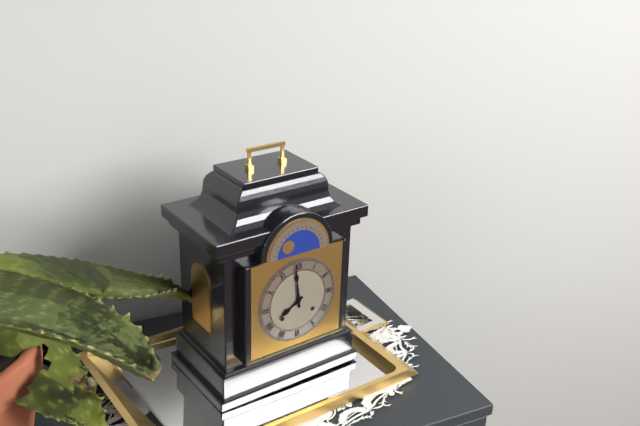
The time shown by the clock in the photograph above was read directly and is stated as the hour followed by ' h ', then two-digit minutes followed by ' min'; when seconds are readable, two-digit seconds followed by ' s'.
7 h 59 min
